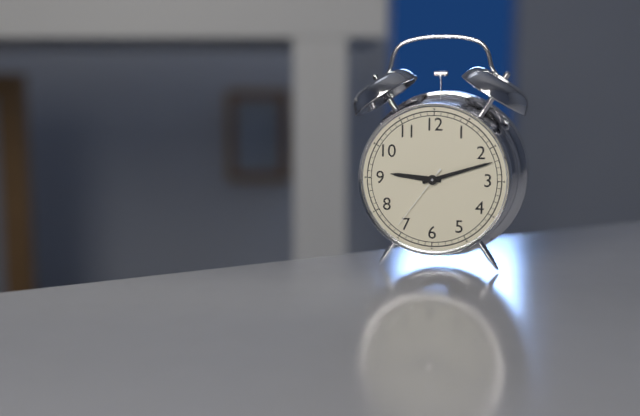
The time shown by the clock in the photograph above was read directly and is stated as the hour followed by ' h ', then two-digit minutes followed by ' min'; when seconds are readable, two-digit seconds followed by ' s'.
9 h 12 min 36 s
